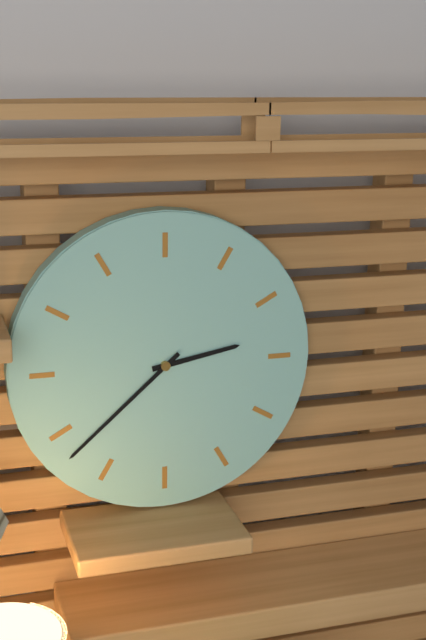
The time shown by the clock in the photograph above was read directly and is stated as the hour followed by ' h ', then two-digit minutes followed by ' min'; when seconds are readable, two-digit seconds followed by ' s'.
2 h 38 min
